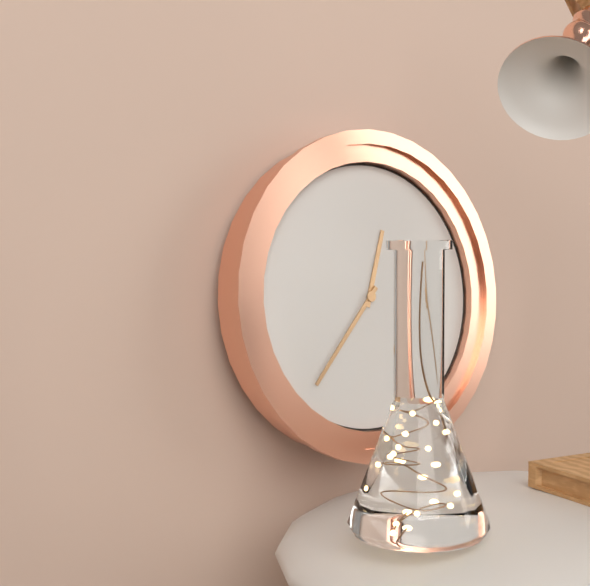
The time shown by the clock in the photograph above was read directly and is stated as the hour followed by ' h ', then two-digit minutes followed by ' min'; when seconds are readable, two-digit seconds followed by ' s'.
12 h 37 min
